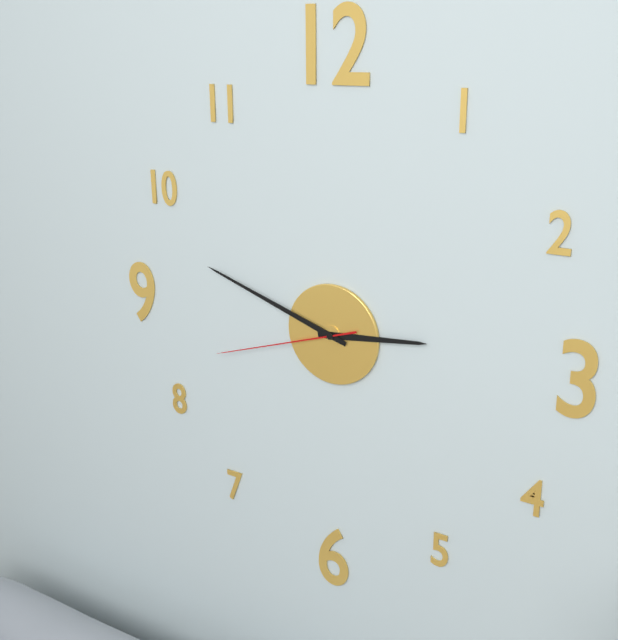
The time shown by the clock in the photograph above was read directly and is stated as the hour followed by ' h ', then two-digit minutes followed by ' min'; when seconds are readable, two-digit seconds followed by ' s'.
2 h 48 min 42 s
